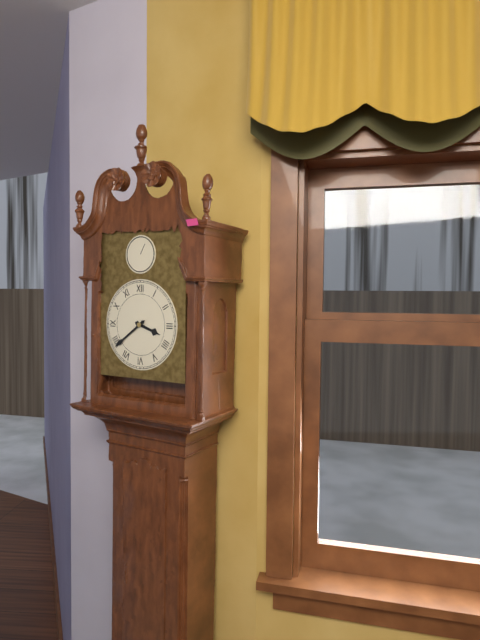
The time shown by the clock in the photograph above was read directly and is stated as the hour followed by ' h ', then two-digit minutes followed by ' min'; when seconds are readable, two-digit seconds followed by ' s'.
3 h 39 min
